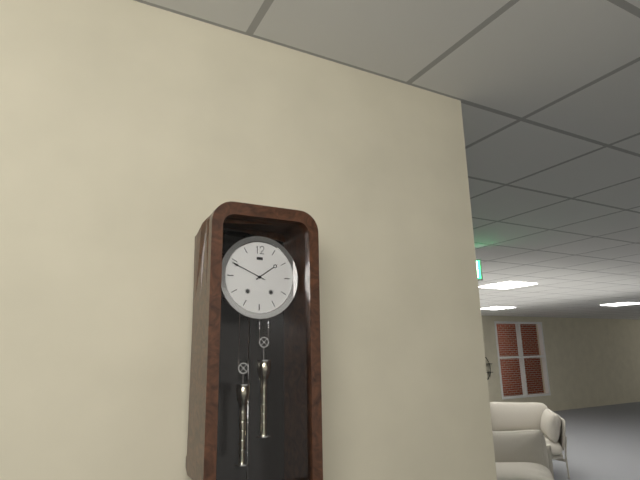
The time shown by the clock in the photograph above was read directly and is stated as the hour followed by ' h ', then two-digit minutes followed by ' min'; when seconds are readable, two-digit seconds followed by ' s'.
1 h 49 min
